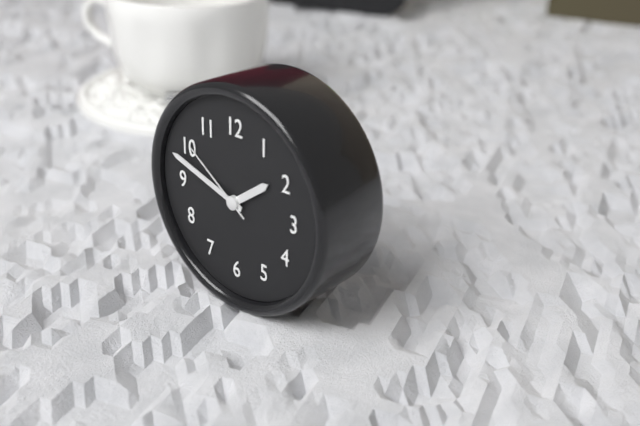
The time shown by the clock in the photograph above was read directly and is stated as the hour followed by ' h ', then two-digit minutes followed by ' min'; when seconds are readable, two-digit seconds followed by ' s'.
1 h 48 min 51 s
